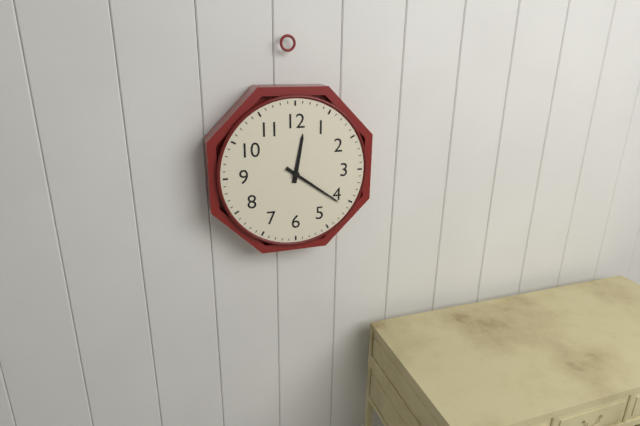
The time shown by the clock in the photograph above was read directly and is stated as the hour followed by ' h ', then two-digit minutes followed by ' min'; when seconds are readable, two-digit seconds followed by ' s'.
12 h 21 min
